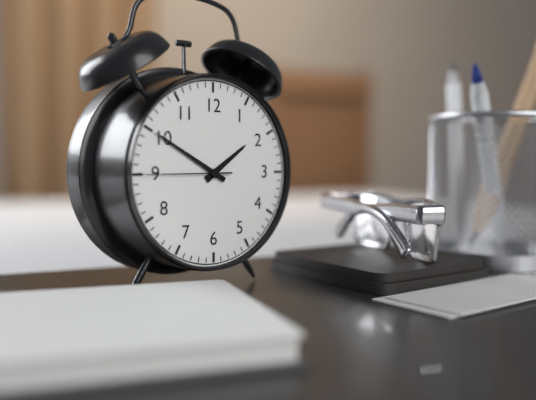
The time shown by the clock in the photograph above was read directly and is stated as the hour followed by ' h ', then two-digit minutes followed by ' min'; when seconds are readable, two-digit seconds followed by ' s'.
1 h 50 min 45 s
